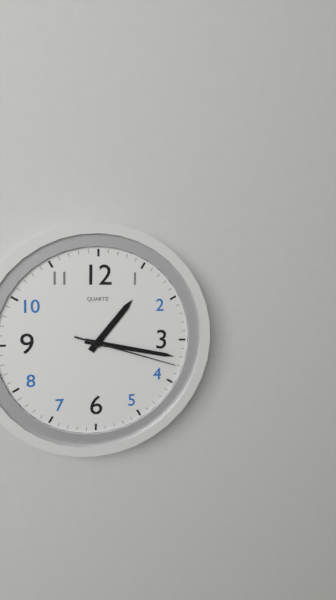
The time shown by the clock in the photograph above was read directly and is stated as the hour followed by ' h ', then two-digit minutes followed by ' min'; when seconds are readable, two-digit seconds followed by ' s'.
1 h 17 min 18 s
